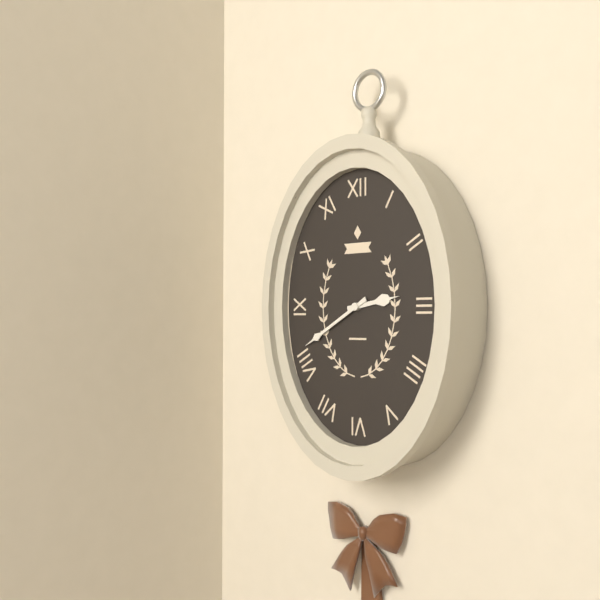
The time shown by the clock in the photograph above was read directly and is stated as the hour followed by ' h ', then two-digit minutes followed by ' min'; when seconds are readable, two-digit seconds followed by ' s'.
2 h 40 min
